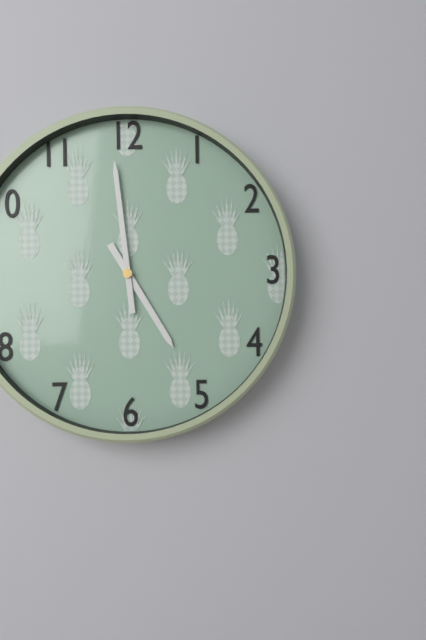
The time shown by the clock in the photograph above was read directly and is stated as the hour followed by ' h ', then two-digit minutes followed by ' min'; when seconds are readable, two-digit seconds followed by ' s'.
4 h 59 min
